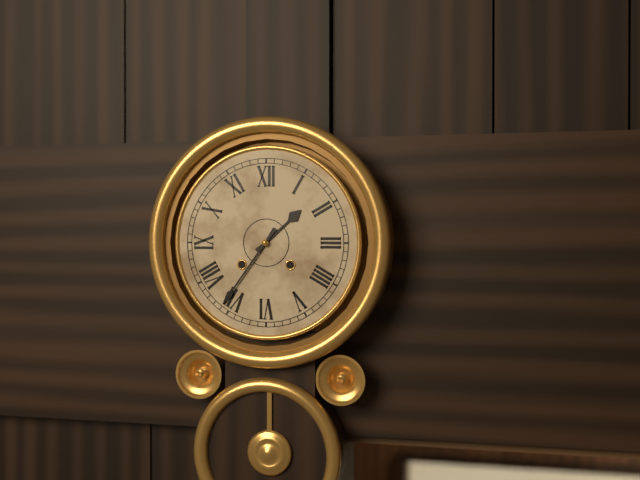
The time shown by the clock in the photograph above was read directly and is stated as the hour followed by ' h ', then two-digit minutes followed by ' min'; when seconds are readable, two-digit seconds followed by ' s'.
1 h 36 min
